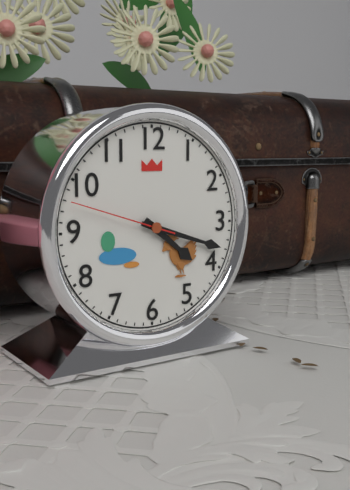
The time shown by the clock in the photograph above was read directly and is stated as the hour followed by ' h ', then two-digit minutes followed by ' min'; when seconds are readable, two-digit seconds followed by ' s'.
4 h 18 min 48 s
